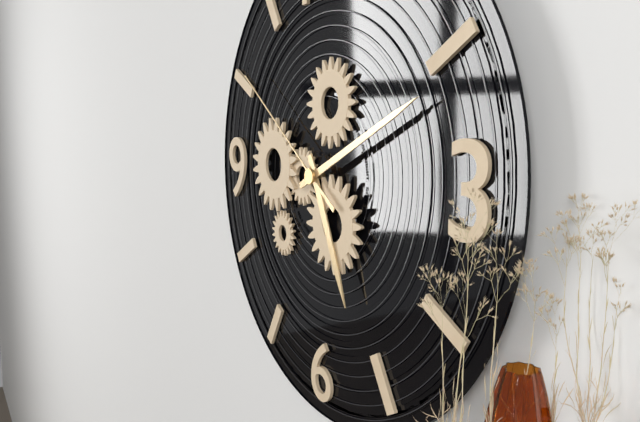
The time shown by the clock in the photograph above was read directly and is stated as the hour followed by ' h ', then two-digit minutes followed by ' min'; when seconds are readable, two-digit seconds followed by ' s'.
5 h 11 min 51 s
